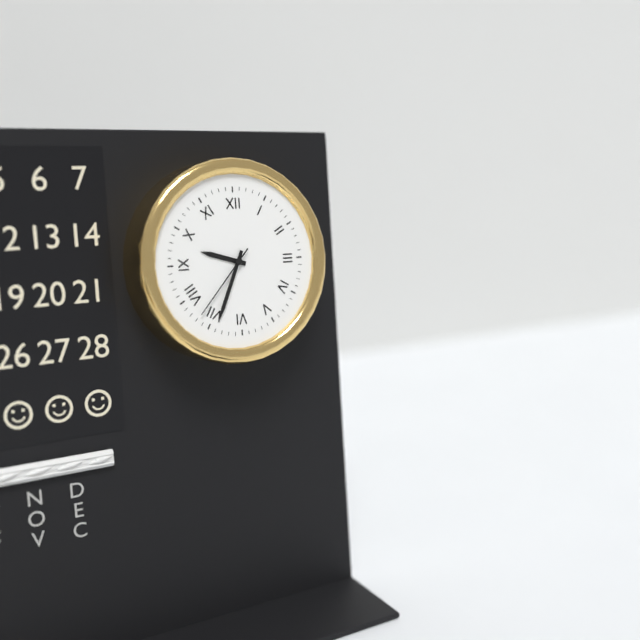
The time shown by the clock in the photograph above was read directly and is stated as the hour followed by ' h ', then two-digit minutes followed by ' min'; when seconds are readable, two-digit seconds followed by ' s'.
9 h 34 min 37 s
